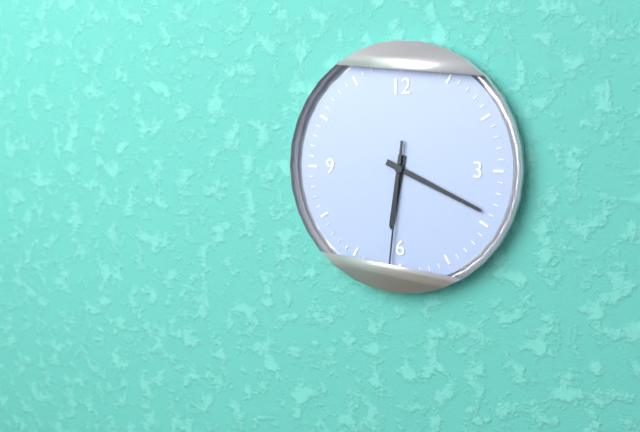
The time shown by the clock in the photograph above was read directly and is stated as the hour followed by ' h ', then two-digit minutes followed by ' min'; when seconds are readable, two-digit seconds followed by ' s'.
6 h 19 min 31 s
